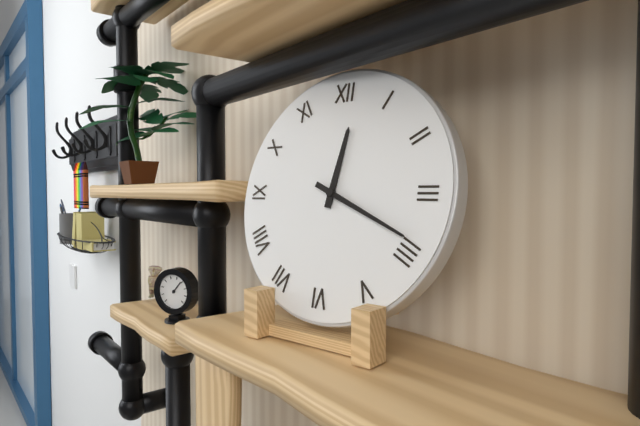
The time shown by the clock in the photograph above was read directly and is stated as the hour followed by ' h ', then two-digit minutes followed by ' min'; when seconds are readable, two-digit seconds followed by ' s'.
12 h 19 min
